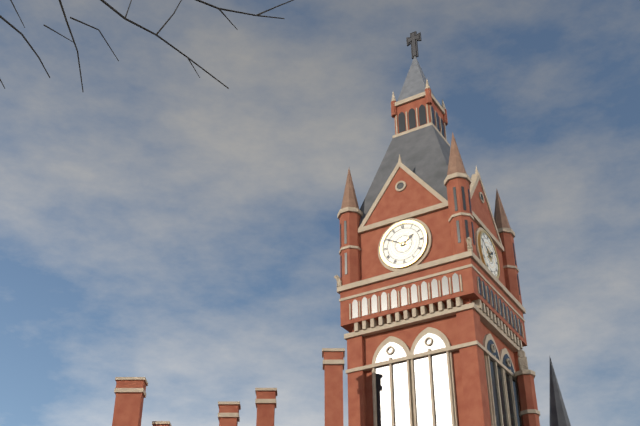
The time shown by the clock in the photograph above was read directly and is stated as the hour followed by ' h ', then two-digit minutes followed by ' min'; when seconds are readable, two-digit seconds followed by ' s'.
1 h 50 min
